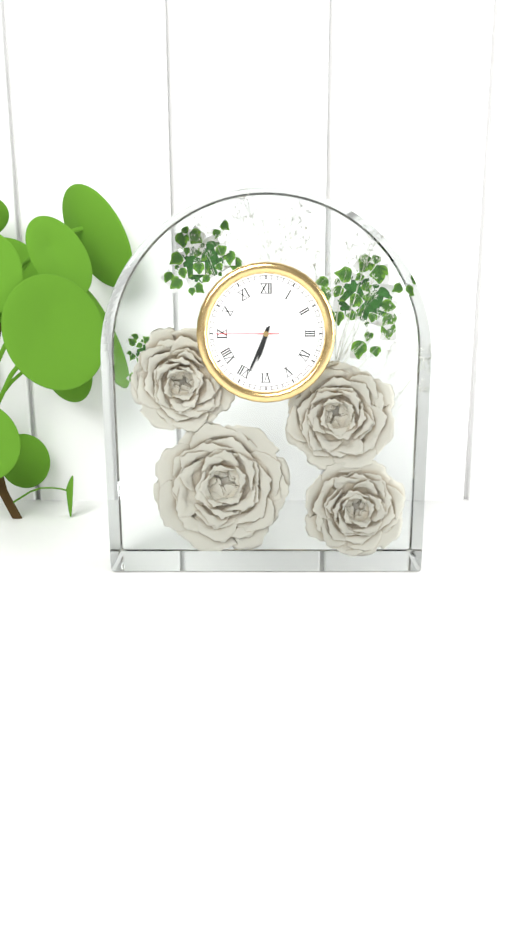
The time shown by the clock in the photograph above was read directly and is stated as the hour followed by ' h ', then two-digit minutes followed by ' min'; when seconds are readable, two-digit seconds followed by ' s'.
6 h 34 min 45 s
